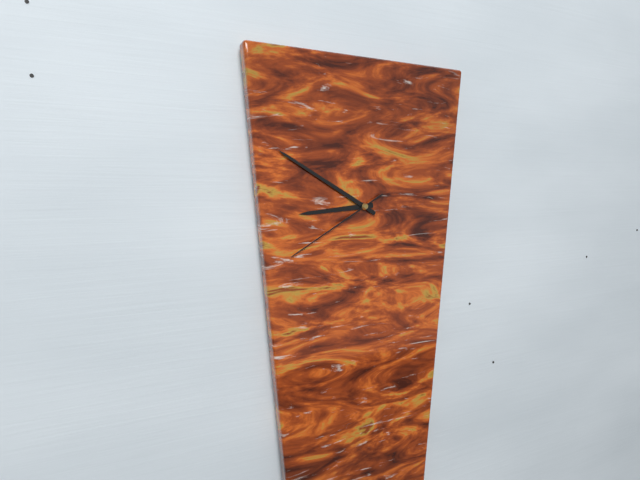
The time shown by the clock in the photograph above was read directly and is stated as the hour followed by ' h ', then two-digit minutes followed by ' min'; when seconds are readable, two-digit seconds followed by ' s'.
8 h 50 min 40 s
